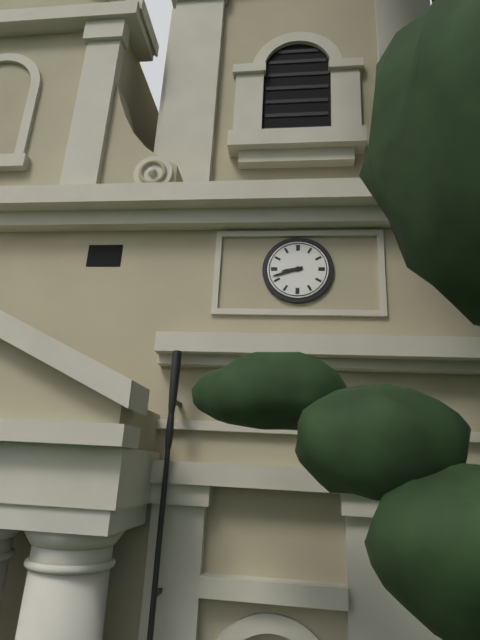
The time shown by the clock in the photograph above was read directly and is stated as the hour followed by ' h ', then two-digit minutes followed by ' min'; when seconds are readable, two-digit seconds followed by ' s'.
8 h 42 min
